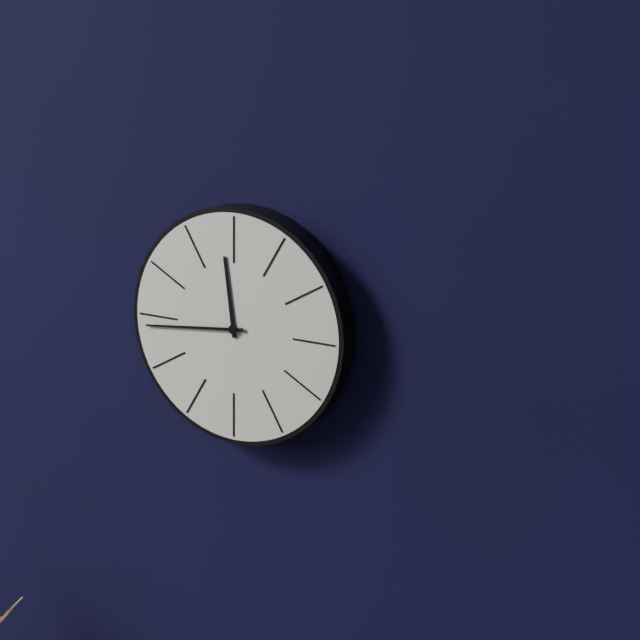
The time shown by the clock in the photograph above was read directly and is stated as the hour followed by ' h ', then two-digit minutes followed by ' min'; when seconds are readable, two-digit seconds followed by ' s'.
11 h 44 min
